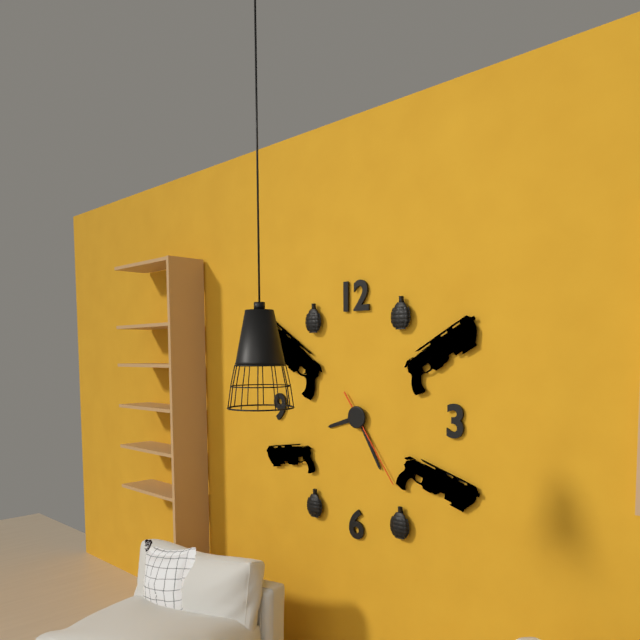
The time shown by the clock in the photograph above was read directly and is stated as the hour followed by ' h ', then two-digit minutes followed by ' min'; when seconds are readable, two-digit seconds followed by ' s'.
8 h 25 min 24 s
